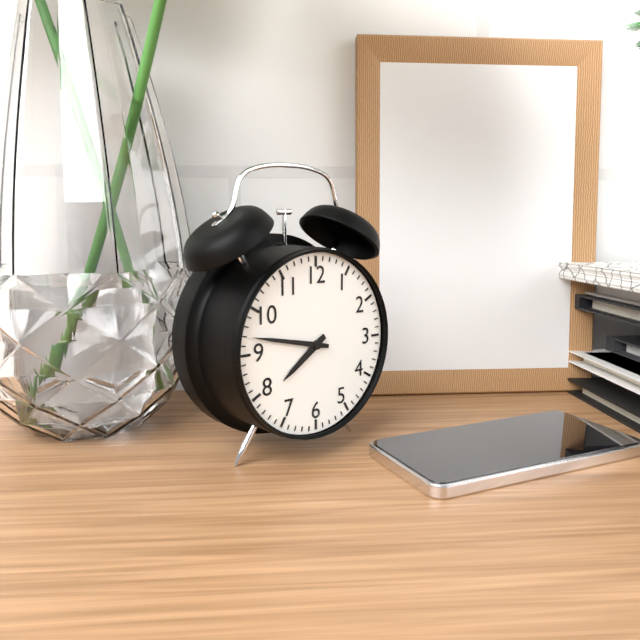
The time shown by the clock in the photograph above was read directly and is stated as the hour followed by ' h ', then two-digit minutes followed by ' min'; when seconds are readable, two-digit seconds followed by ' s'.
7 h 47 min
